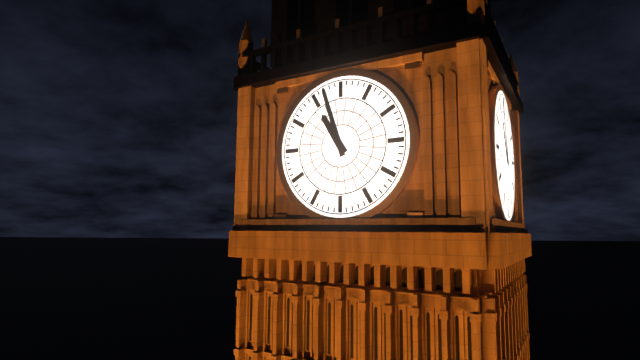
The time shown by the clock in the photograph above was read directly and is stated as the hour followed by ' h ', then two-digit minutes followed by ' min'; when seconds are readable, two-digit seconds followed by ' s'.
10 h 57 min
